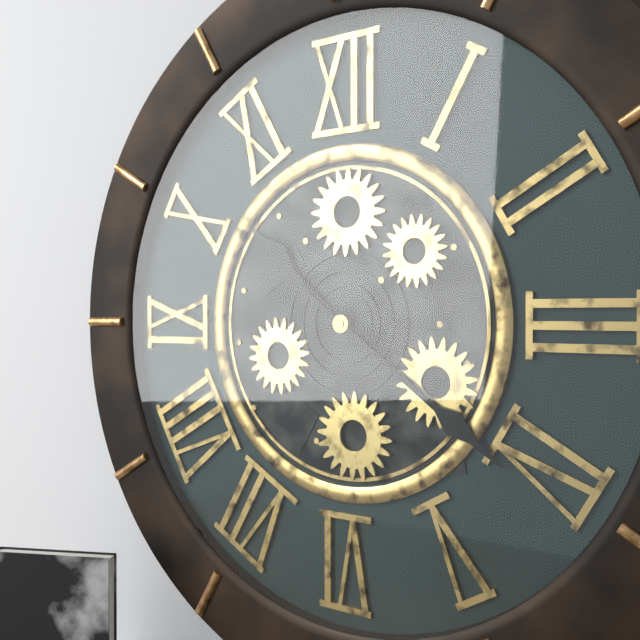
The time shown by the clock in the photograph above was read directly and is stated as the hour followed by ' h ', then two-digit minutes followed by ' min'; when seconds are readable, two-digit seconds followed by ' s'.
10 h 21 min
